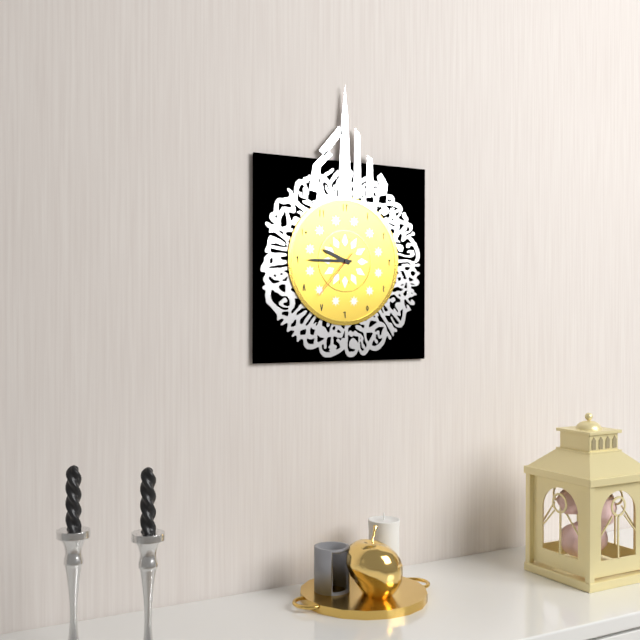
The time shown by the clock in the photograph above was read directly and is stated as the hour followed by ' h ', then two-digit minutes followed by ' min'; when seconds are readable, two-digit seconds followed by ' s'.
9 h 45 min 37 s
